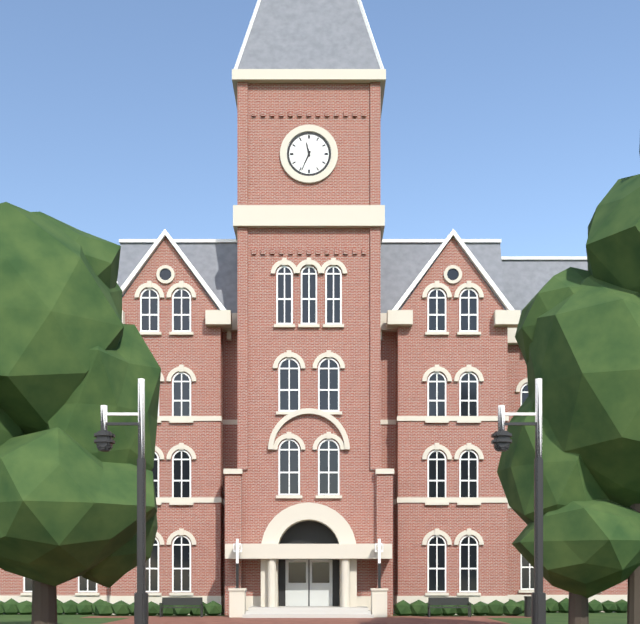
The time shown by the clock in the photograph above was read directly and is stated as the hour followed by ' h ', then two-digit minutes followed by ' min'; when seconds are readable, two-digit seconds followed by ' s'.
11 h 34 min
